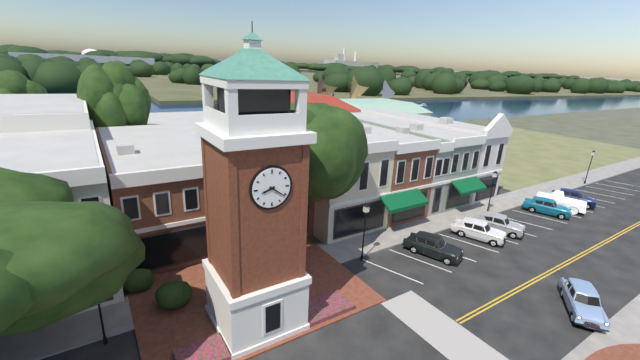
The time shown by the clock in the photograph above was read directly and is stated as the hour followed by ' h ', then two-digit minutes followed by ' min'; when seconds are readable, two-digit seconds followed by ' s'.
8 h 21 min
